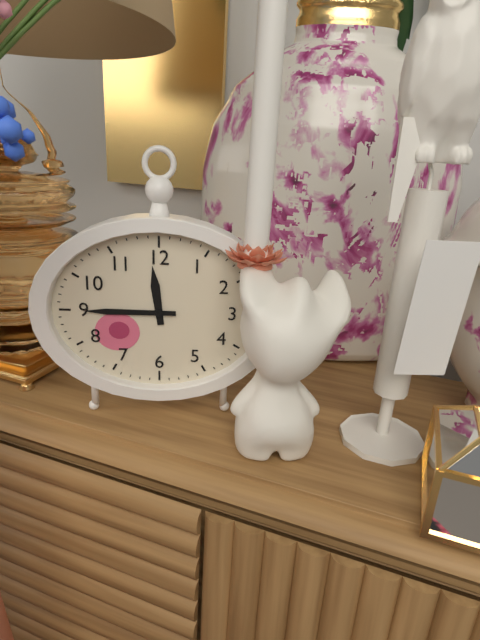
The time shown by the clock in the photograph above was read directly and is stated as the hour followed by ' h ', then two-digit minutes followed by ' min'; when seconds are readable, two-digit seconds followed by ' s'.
11 h 45 min
